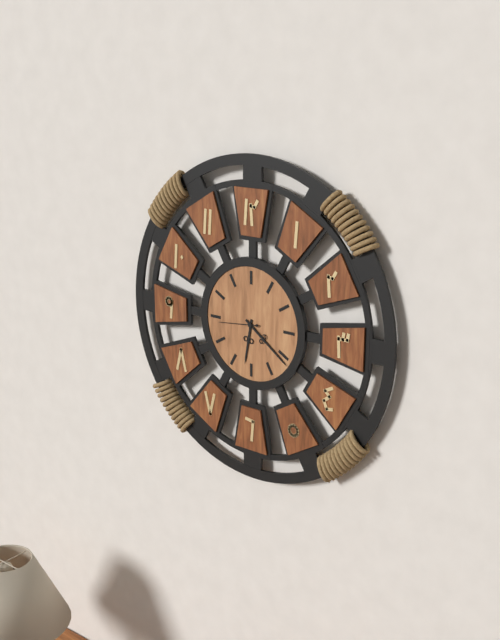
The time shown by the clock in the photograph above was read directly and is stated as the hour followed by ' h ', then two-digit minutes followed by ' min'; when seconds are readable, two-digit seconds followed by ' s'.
6 h 21 min
